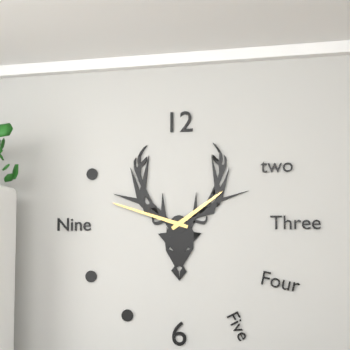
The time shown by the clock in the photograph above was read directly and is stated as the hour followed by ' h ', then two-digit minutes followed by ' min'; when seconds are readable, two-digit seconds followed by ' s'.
1 h 48 min
